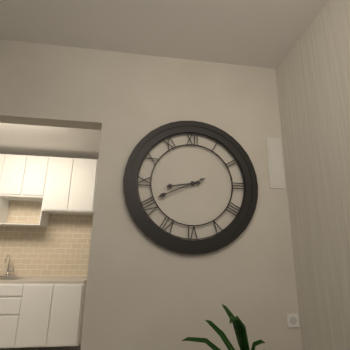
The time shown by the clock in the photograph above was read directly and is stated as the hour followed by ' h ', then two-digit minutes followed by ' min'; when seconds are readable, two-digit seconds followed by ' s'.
8 h 41 min
